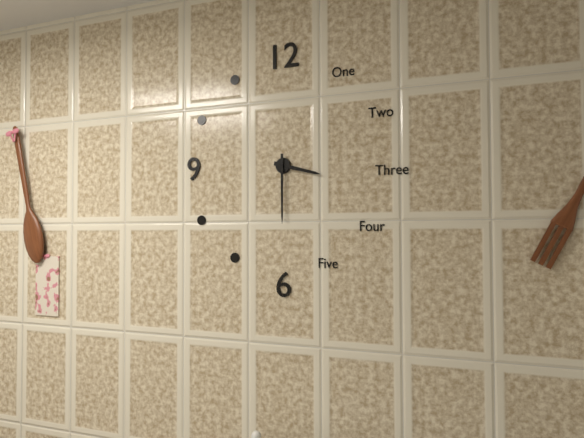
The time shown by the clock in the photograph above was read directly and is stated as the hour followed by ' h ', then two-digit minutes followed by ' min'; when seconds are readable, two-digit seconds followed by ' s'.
3 h 30 min
